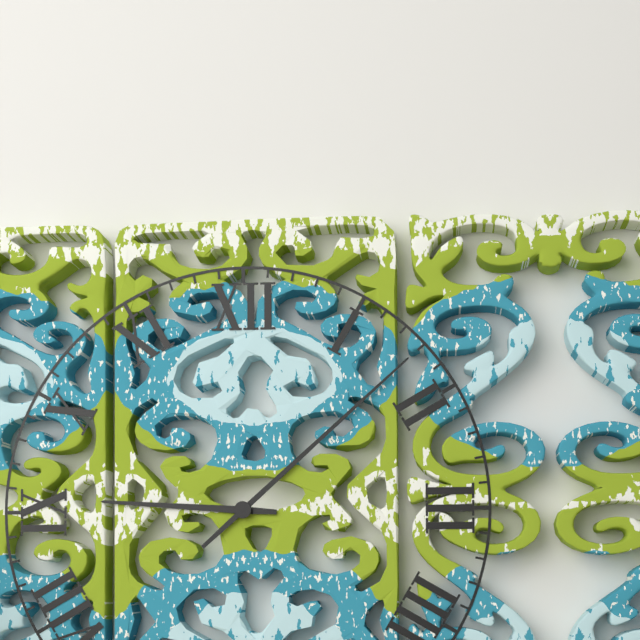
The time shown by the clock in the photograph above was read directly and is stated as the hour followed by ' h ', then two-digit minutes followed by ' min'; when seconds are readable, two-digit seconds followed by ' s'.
9 h 08 min
